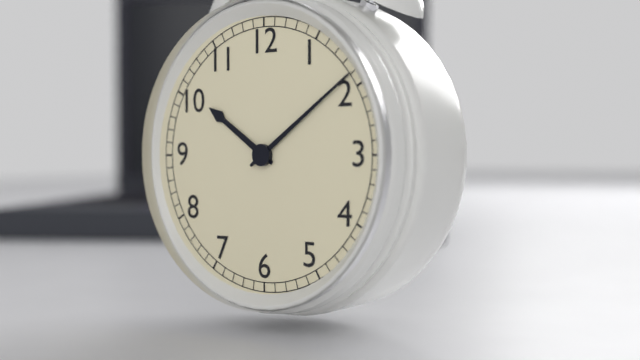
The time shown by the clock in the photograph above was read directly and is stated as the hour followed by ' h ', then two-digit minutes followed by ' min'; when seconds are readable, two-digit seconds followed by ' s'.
10 h 09 min
